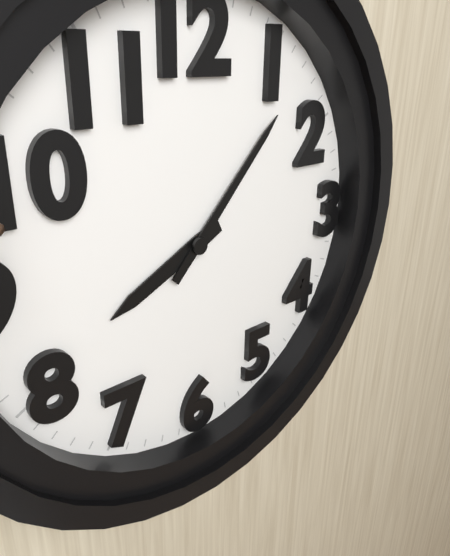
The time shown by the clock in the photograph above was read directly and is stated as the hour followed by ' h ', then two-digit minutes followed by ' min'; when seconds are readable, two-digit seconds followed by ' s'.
8 h 07 min
